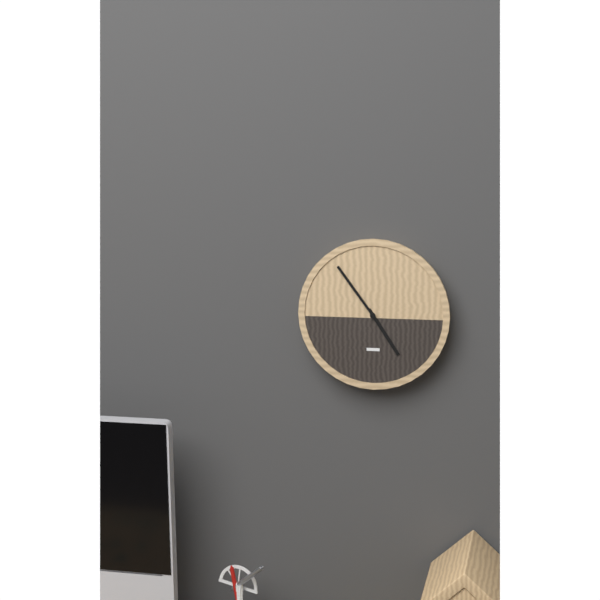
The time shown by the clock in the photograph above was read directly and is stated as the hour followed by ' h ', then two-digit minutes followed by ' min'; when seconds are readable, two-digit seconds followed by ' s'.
4 h 54 min
